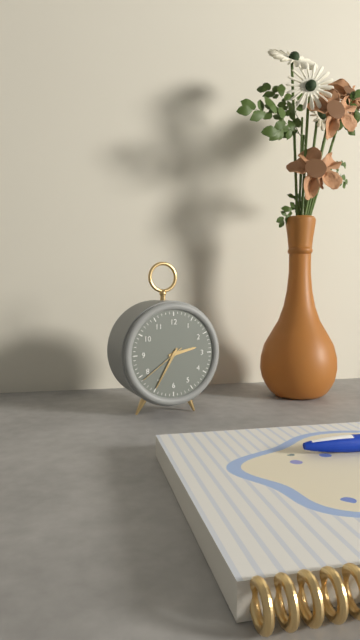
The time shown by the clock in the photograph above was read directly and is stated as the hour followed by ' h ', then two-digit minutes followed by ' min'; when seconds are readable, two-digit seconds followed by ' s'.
2 h 35 min
